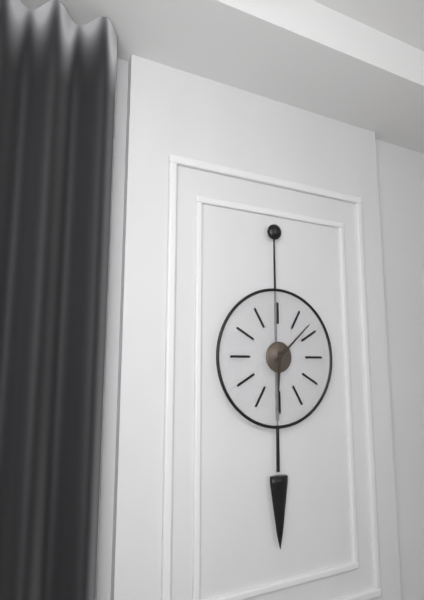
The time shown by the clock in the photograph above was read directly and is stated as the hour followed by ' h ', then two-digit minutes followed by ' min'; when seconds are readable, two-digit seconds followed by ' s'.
6 h 08 min
